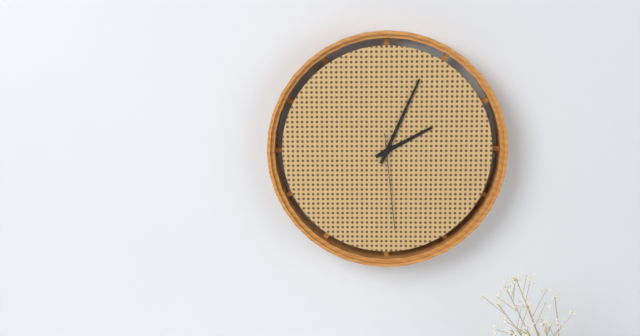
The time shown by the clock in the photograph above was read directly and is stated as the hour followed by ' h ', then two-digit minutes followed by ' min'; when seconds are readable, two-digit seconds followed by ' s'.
2 h 04 min 29 s
